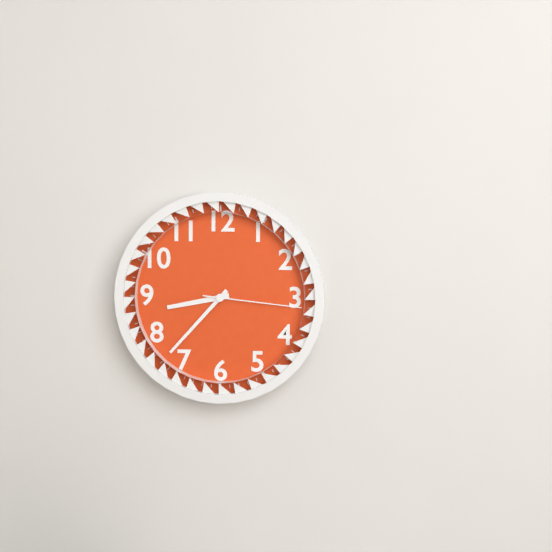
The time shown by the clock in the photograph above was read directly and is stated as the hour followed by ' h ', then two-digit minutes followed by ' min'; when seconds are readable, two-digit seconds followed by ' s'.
8 h 37 min 16 s
